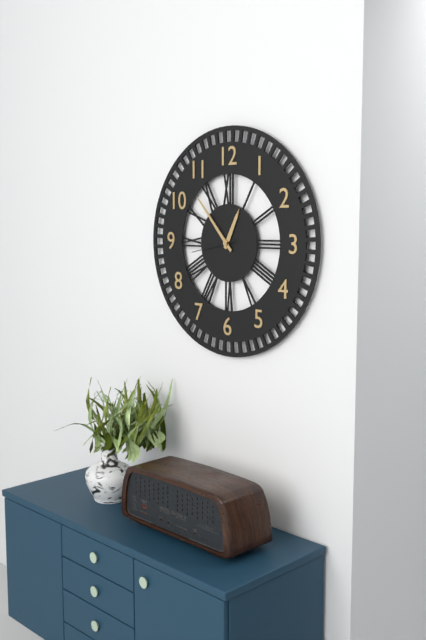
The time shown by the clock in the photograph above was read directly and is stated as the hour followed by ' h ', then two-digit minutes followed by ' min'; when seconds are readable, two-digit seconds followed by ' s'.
12 h 53 min 43 s
